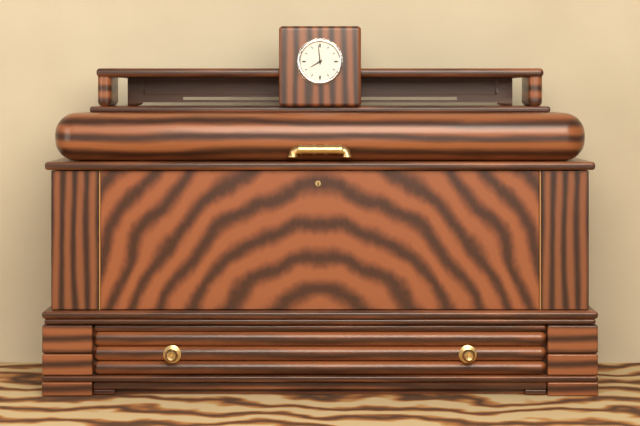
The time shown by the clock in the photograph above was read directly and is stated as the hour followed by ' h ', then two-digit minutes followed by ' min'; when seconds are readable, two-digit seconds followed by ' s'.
7 h 59 min
